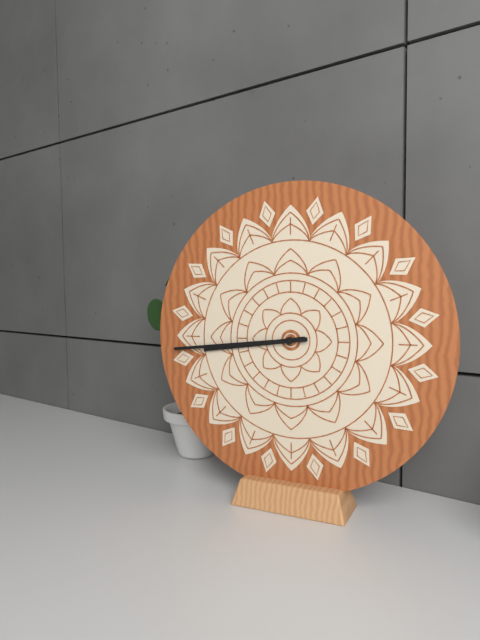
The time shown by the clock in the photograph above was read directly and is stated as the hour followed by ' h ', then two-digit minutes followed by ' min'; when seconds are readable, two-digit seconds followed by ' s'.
8 h 44 min
